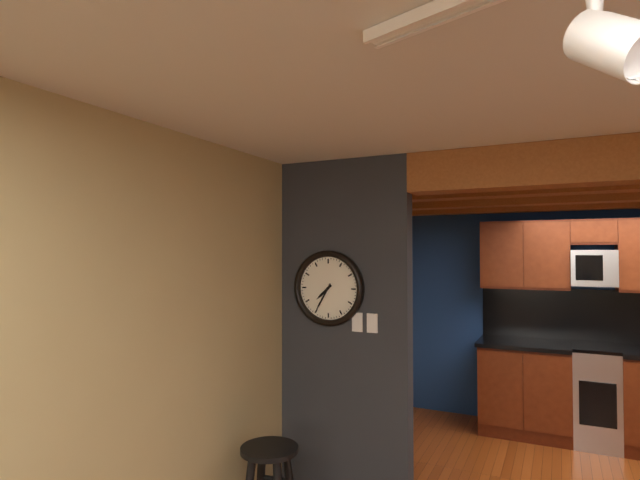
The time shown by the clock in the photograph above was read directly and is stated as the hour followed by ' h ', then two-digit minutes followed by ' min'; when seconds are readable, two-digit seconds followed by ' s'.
7 h 35 min
